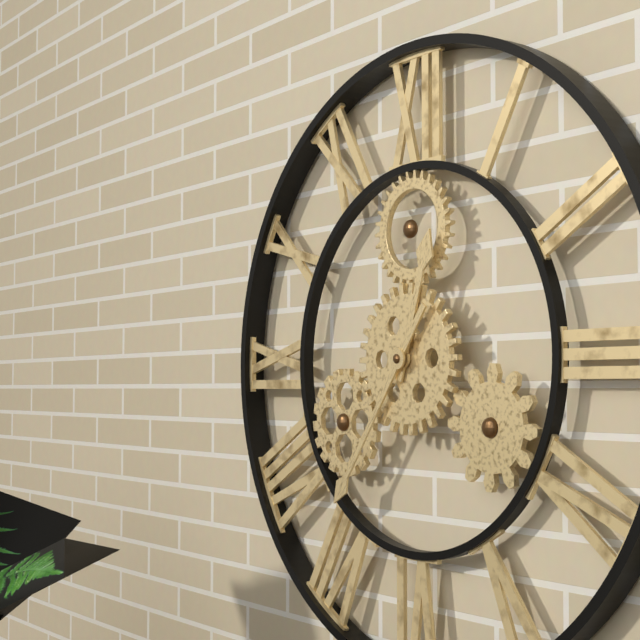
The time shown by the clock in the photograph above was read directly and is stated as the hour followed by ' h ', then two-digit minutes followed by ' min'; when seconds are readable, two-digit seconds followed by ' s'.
12 h 36 min
